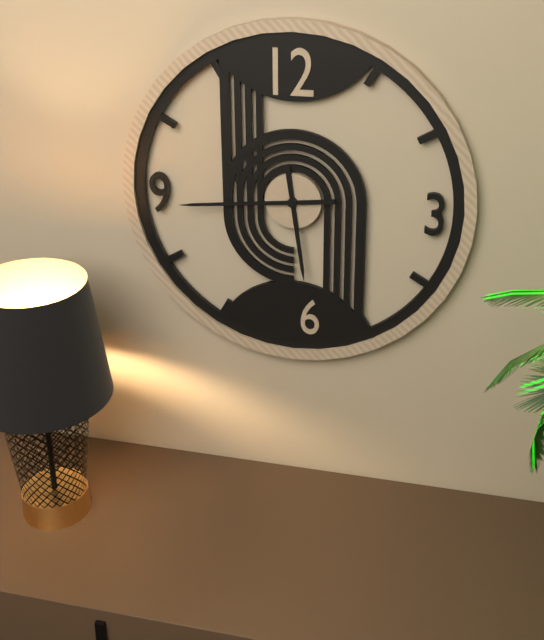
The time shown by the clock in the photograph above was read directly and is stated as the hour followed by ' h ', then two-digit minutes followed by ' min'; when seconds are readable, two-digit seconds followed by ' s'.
5 h 44 min
